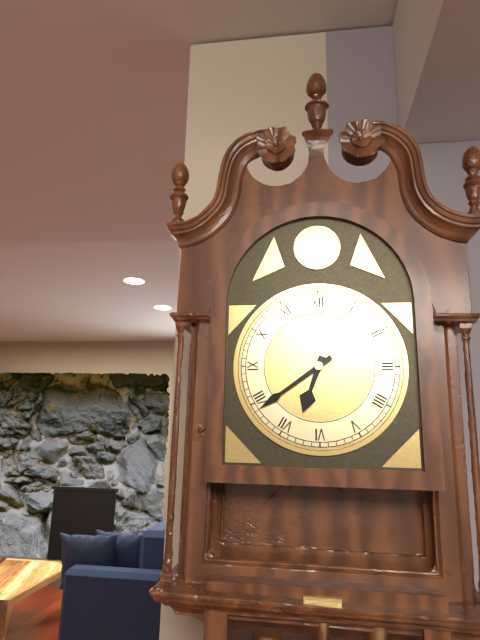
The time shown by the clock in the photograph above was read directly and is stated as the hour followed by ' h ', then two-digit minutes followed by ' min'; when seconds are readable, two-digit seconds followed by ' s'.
6 h 39 min
